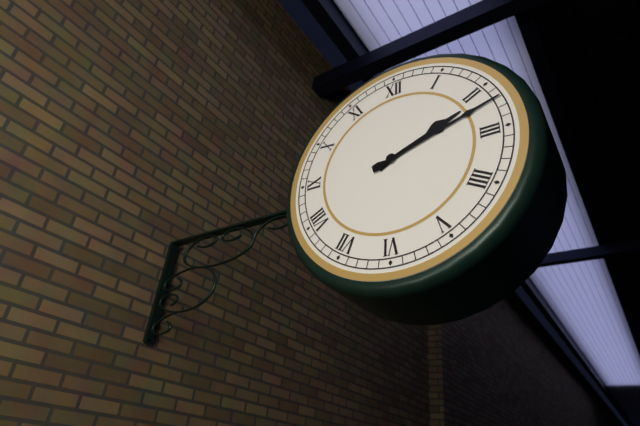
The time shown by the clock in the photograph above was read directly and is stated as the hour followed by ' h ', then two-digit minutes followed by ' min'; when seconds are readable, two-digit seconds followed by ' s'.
2 h 12 min
